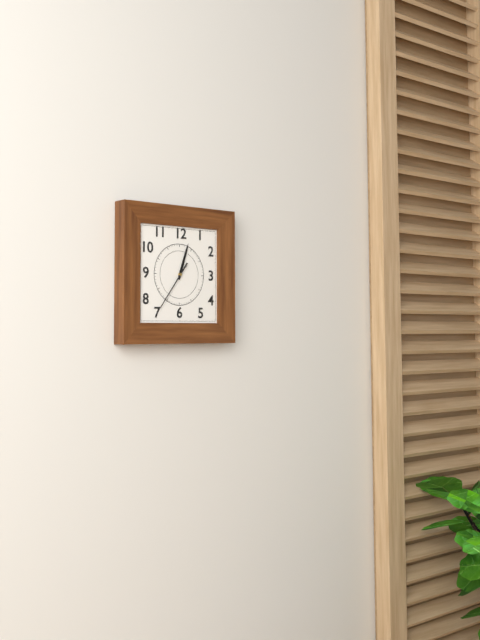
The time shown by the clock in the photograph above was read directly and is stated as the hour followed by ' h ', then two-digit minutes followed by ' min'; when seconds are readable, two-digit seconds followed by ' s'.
12 h 36 min
